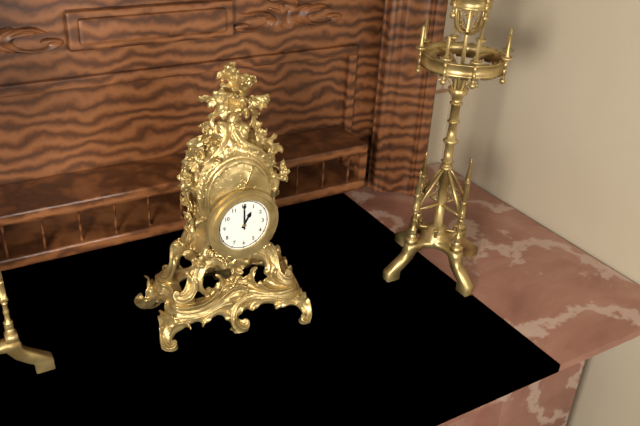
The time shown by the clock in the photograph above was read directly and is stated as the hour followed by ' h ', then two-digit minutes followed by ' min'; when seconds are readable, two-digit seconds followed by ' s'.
1 h 00 min
